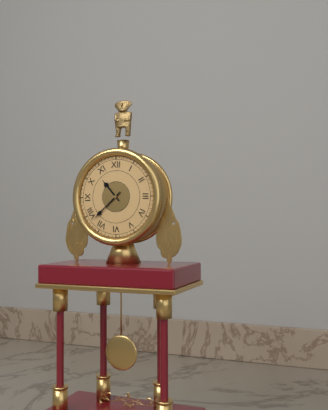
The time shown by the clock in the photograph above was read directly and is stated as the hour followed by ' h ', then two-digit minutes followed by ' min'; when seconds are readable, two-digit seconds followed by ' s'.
10 h 38 min
